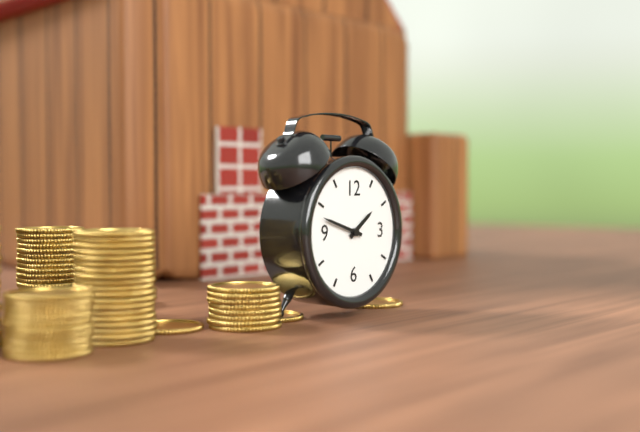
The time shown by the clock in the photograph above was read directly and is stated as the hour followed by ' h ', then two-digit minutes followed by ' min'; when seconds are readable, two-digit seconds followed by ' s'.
1 h 48 min
